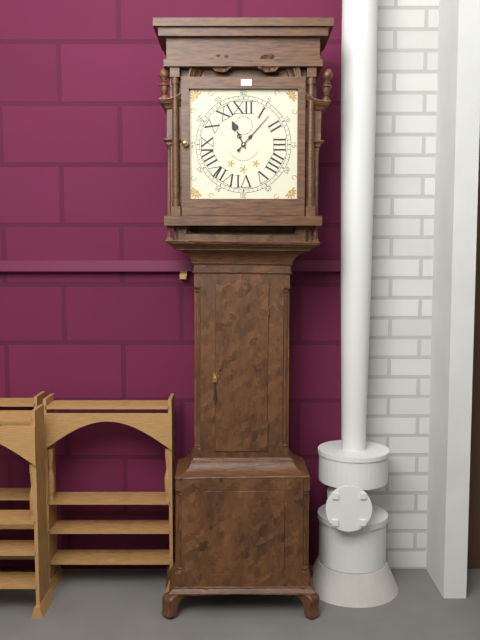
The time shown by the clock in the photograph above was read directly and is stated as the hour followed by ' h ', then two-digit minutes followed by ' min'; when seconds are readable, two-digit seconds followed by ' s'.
11 h 07 min
